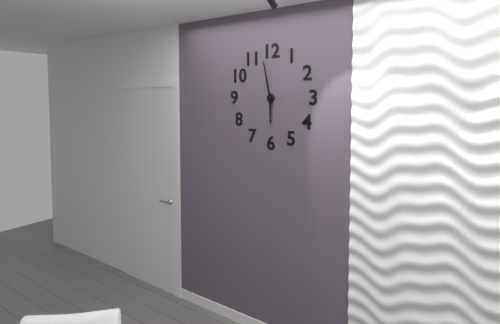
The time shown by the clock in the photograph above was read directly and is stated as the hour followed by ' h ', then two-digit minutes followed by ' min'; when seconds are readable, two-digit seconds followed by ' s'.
5 h 58 min
